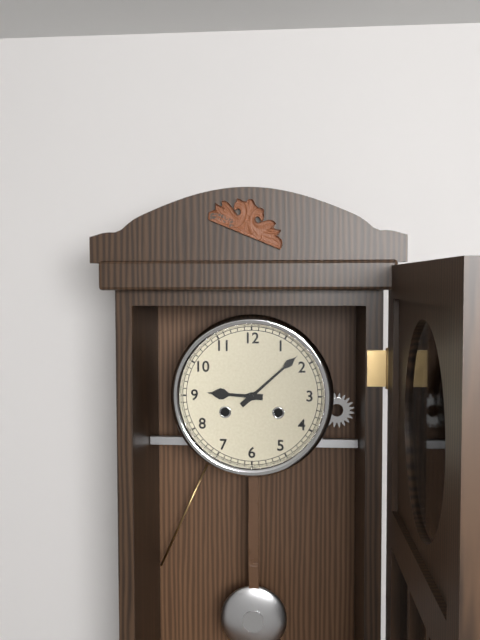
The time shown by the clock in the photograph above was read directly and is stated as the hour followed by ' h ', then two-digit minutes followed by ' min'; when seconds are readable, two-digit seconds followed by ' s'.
9 h 08 min
